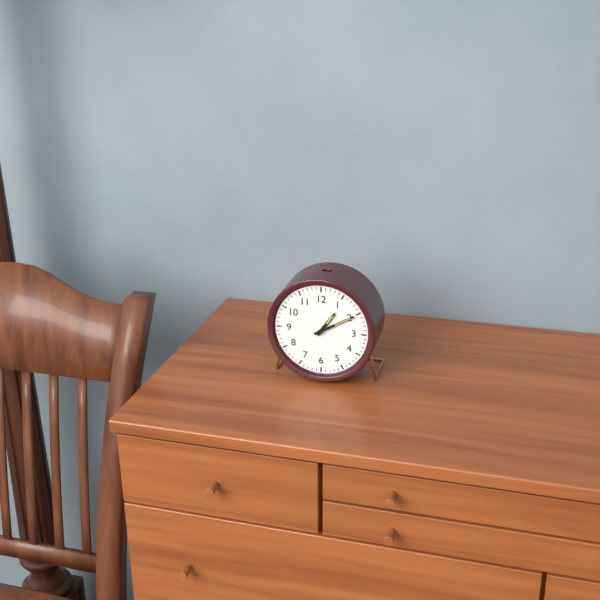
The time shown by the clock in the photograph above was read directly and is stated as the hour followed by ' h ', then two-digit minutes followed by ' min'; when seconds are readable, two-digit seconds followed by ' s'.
1 h 10 min
